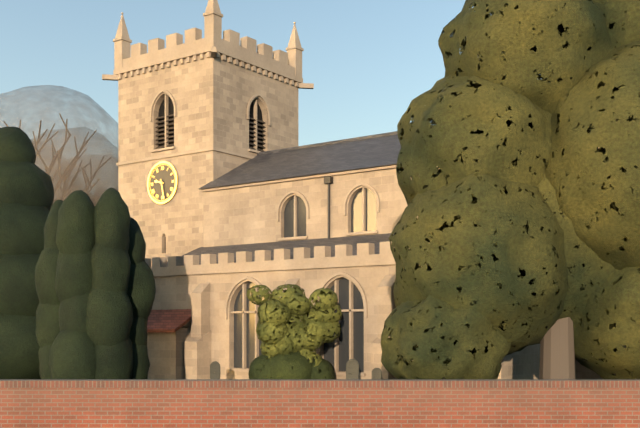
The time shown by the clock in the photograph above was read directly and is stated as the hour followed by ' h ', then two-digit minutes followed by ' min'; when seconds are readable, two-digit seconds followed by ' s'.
9 h 28 min
